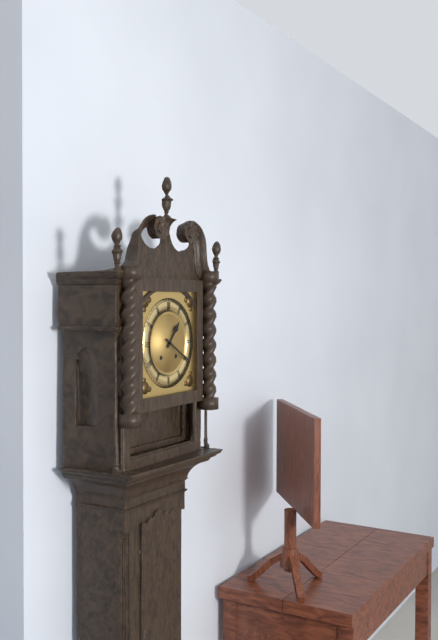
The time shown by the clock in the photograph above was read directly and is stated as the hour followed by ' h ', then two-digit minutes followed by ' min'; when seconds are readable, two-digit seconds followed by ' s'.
1 h 20 min
